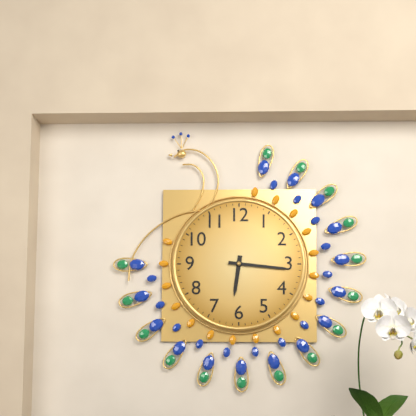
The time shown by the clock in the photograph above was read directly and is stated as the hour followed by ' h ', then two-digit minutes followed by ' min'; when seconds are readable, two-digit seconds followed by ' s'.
6 h 16 min
